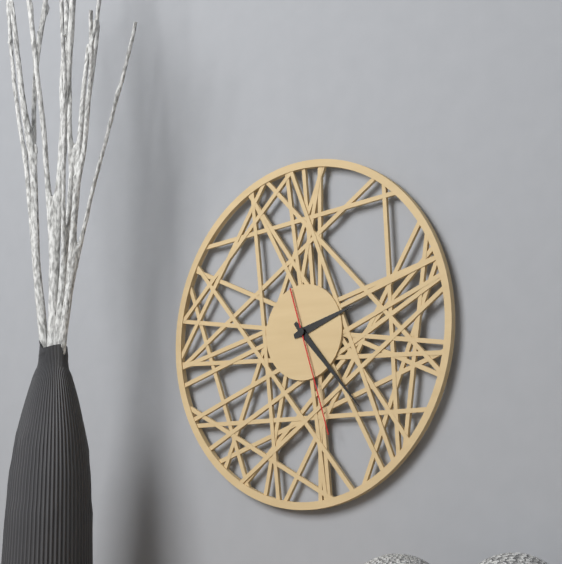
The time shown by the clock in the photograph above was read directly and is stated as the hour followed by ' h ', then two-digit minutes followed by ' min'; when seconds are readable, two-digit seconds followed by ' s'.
2 h 23 min 27 s
